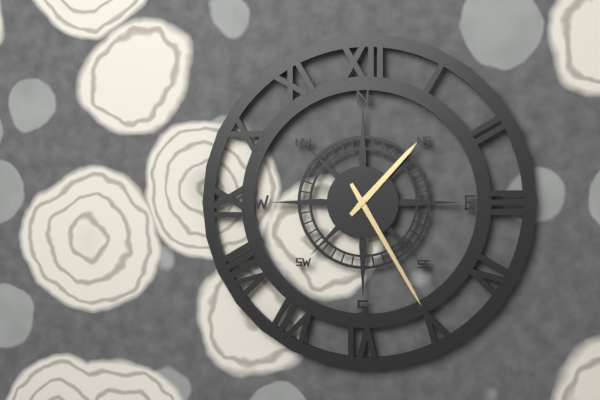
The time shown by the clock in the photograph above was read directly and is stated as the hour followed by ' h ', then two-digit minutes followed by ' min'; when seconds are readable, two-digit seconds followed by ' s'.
1 h 25 min
